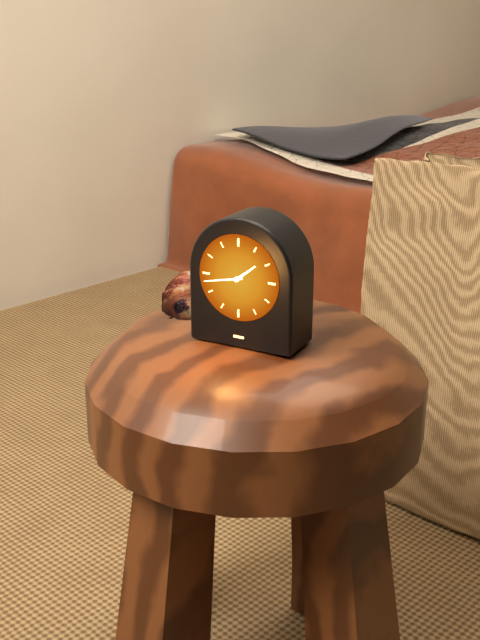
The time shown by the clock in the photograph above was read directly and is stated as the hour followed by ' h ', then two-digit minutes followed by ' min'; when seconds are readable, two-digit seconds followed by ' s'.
1 h 43 min
